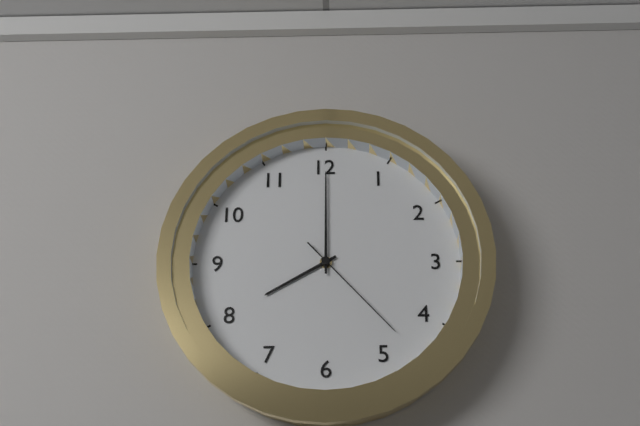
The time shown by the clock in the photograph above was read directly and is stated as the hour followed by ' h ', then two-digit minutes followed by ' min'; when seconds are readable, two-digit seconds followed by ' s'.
8 h 00 min 23 s
